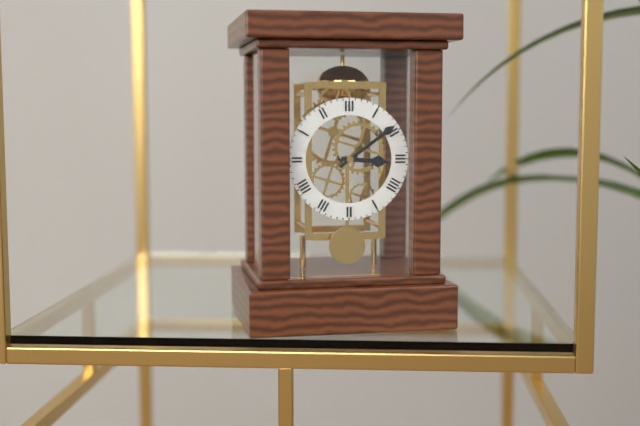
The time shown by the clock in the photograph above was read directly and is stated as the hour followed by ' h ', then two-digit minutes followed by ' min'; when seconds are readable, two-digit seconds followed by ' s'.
3 h 09 min
